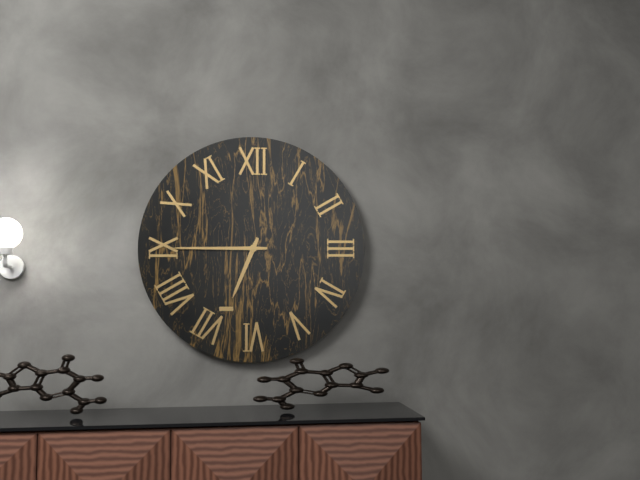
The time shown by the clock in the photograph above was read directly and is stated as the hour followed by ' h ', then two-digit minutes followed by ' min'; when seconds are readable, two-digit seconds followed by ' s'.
6 h 45 min
